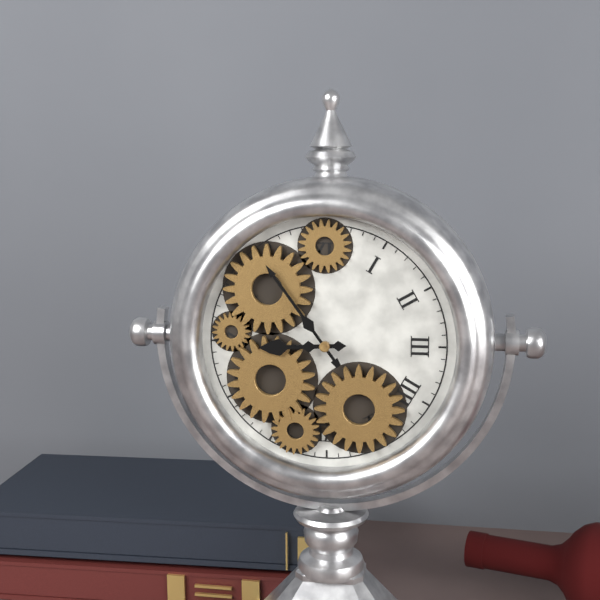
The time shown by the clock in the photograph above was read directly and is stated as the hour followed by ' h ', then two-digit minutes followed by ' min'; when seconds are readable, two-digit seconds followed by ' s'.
8 h 54 min
